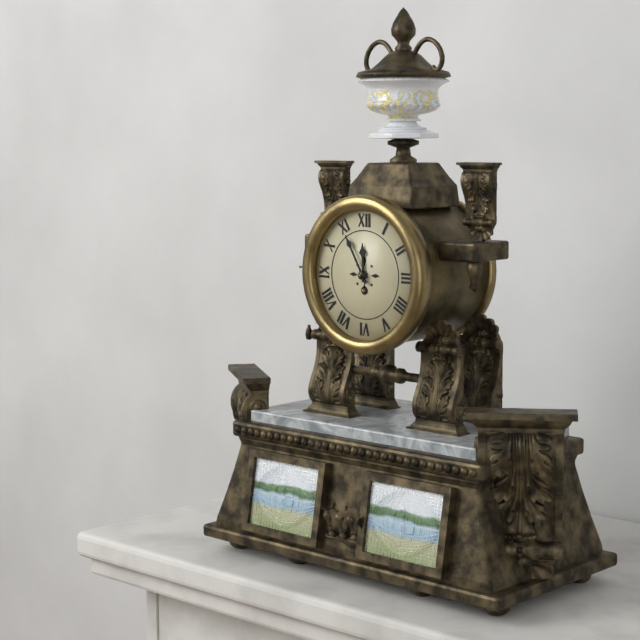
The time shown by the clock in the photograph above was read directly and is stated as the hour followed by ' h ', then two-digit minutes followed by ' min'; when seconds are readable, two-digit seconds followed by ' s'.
11 h 55 min
